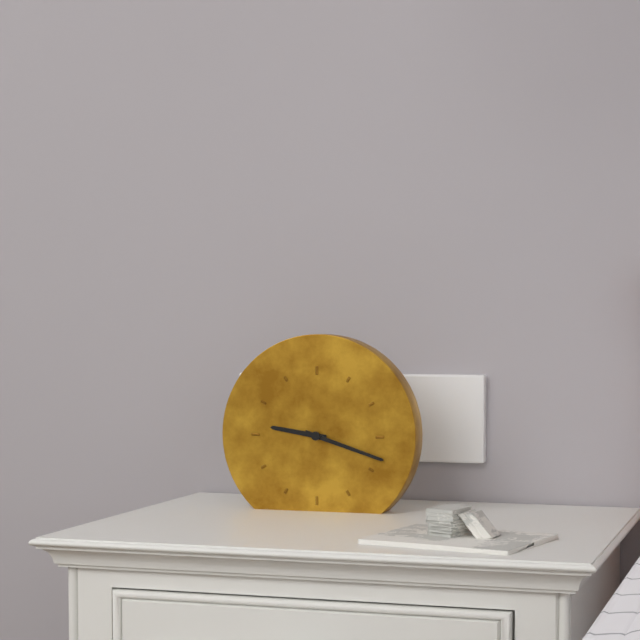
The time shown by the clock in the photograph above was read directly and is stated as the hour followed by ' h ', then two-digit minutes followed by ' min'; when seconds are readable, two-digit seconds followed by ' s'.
9 h 18 min
